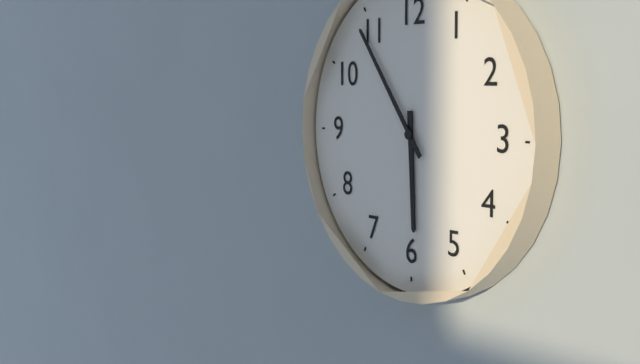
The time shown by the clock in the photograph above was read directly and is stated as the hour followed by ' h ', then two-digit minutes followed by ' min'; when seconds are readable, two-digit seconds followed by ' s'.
5 h 54 min
